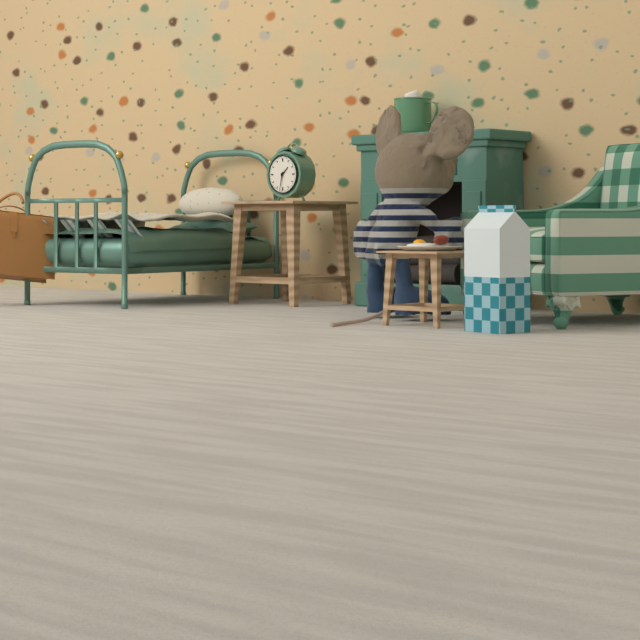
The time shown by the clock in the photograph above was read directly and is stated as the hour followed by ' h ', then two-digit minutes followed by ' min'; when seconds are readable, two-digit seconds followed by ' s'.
1 h 32 min
